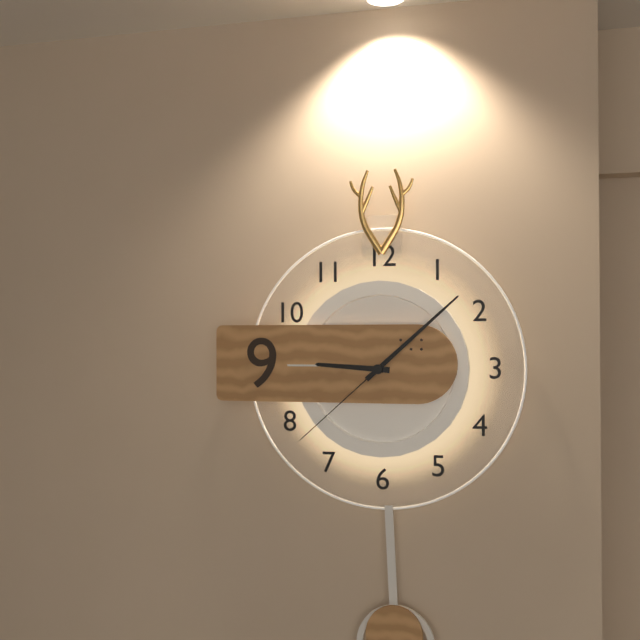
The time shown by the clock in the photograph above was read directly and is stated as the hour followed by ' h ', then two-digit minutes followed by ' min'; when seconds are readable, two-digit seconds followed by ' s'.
9 h 08 min 38 s
